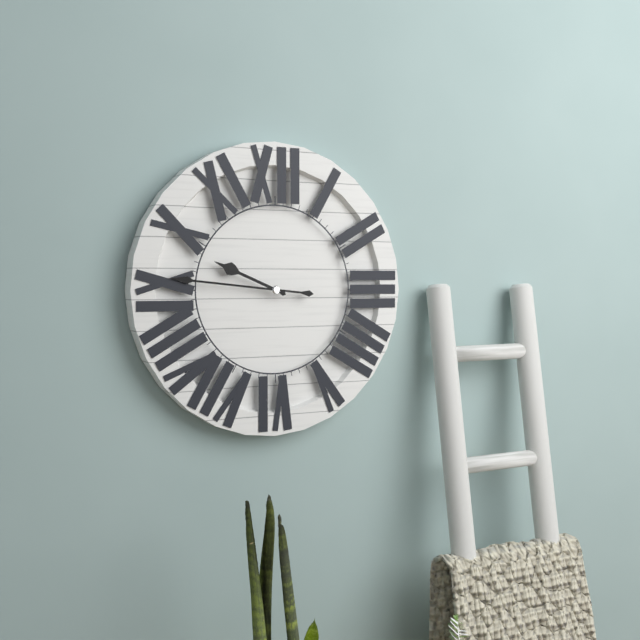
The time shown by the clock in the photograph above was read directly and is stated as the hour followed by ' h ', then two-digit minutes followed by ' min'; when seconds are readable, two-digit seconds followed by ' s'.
9 h 46 min
